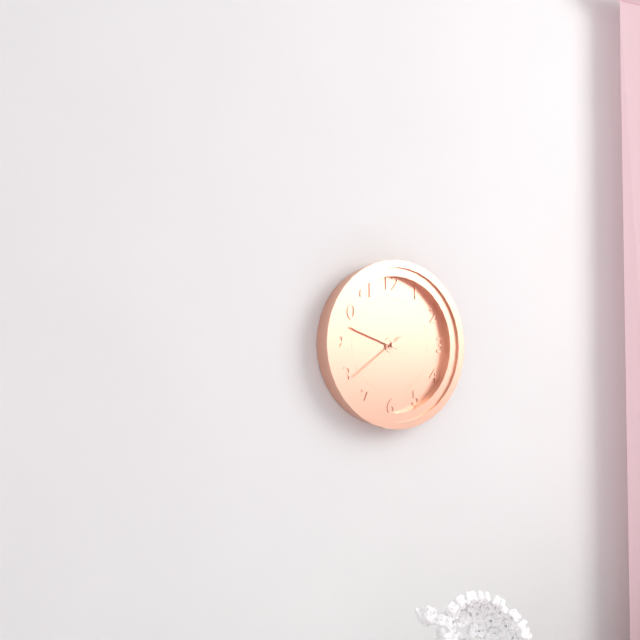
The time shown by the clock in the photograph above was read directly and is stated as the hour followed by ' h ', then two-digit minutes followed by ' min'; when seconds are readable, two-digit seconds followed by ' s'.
2 h 48 min 39 s
